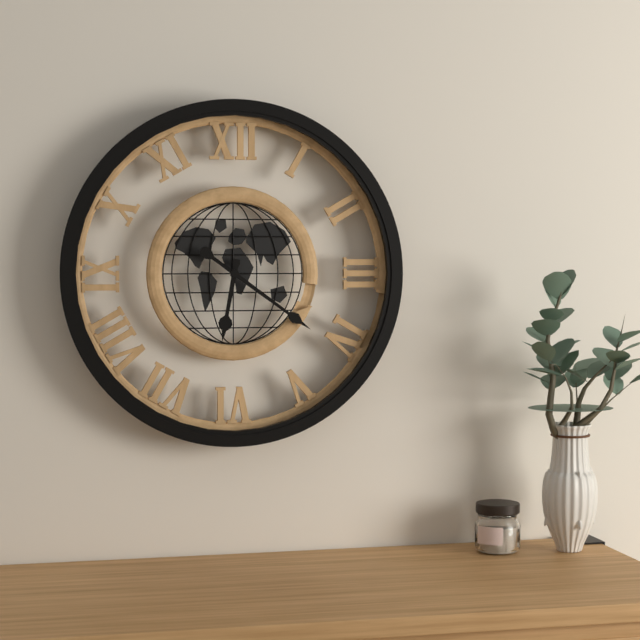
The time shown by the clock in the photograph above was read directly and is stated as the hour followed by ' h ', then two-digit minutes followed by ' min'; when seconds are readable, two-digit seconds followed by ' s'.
6 h 21 min
